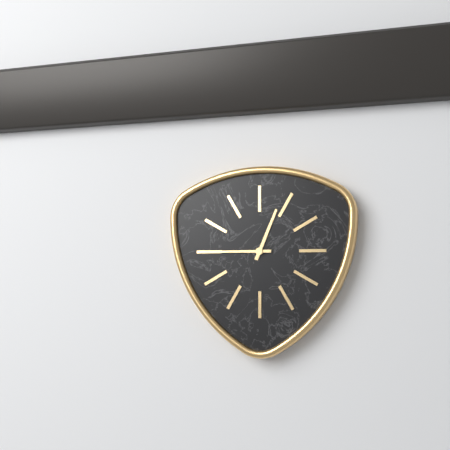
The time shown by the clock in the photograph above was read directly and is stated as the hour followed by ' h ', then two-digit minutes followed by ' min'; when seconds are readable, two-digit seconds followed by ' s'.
12 h 45 min
